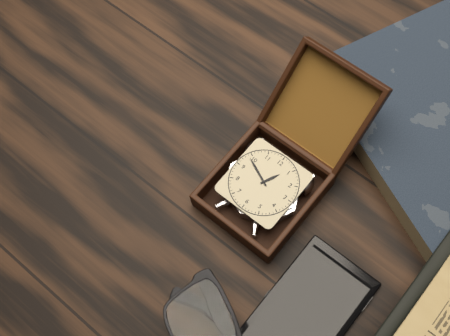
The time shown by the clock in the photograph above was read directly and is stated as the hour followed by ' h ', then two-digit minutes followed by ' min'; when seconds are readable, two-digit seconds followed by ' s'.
12 h 49 min
